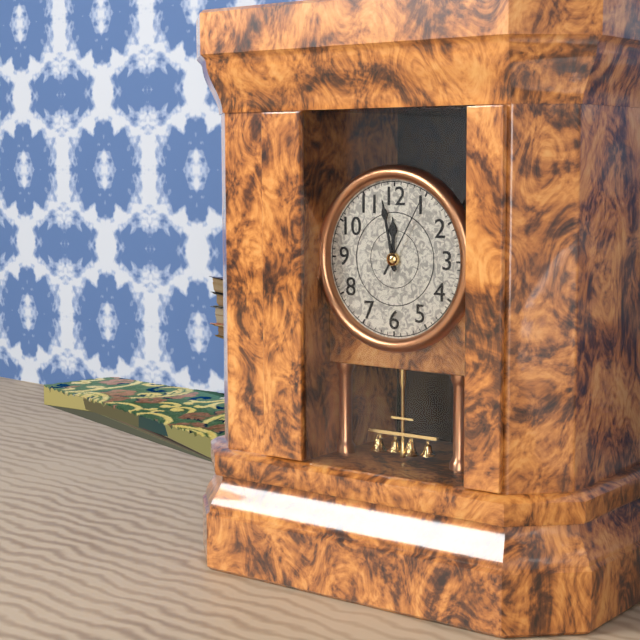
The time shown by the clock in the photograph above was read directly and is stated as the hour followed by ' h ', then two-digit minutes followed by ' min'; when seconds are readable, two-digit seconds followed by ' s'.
11 h 58 min 05 s
